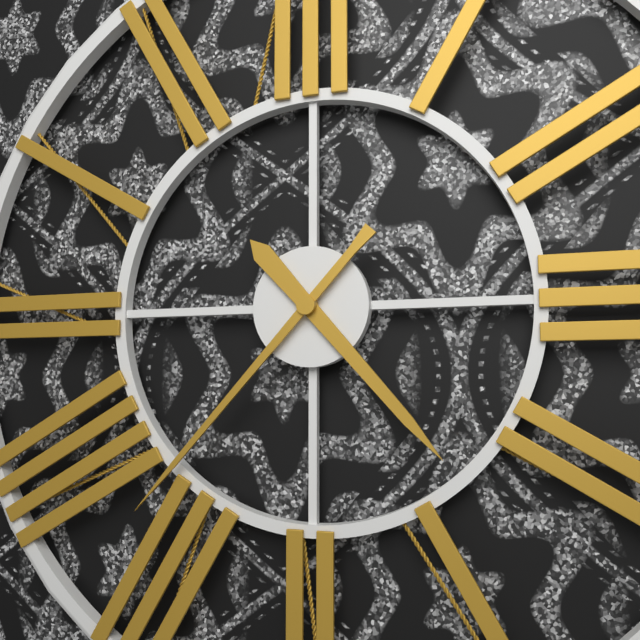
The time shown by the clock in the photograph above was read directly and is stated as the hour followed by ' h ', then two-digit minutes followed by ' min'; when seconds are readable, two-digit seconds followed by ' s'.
4 h 37 min
